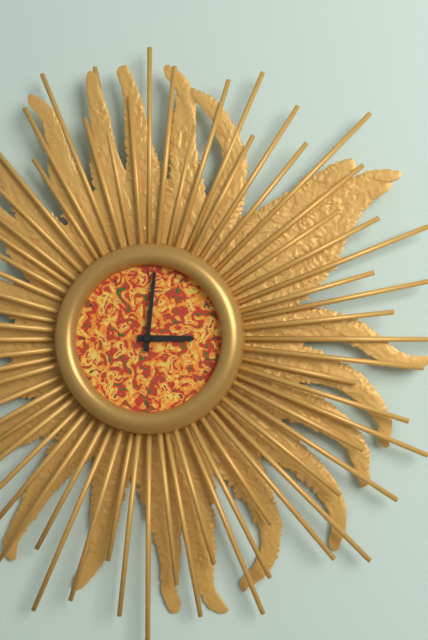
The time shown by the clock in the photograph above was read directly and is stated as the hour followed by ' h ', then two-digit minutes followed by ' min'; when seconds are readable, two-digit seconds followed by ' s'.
3 h 01 min
